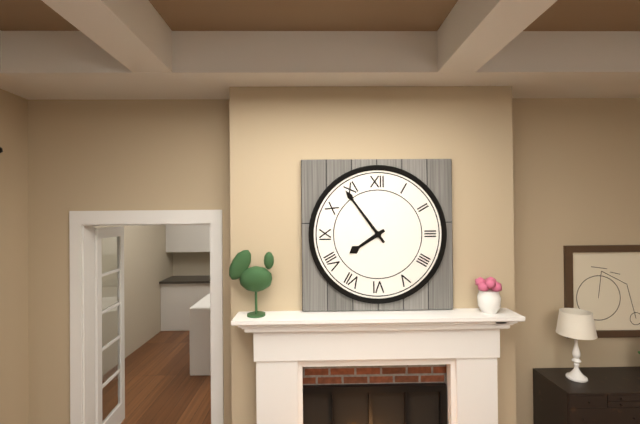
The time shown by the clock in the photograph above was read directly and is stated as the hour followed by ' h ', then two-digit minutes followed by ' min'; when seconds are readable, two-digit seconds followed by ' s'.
7 h 54 min
